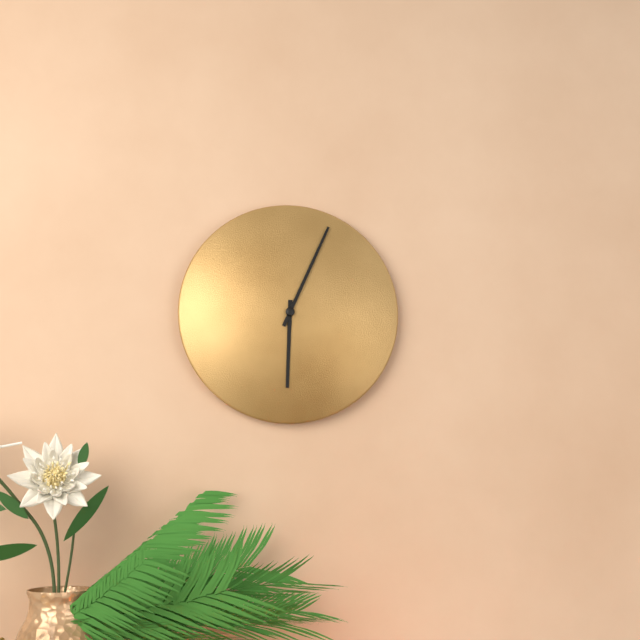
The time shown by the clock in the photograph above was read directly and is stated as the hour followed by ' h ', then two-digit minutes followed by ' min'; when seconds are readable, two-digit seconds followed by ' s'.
6 h 04 min
